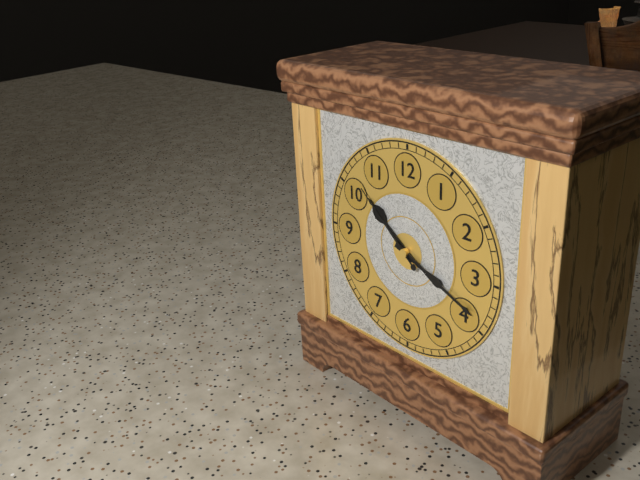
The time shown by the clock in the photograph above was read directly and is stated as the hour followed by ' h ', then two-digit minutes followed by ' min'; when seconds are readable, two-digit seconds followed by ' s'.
10 h 19 min 52 s
